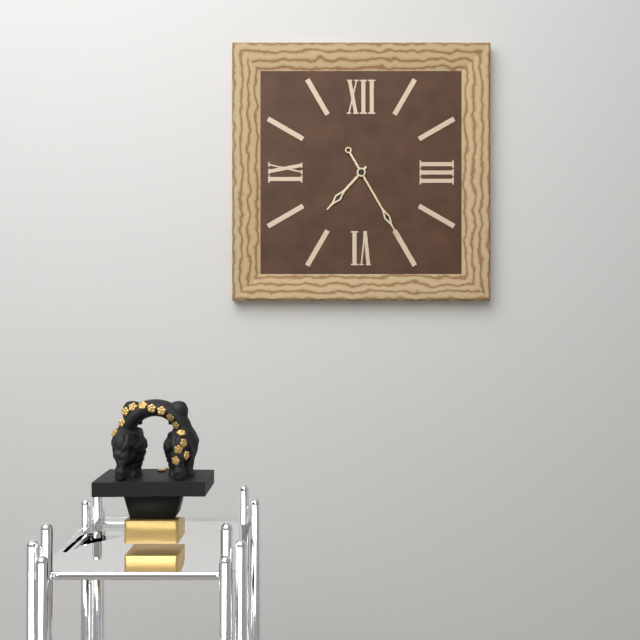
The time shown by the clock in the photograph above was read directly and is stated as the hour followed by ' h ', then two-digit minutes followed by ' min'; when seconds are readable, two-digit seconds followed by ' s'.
7 h 25 min
